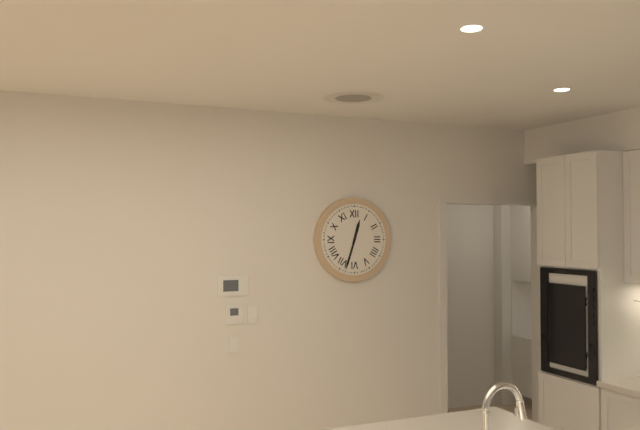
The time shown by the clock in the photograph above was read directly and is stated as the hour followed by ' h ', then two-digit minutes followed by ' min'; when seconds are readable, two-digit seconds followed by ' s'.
12 h 33 min
